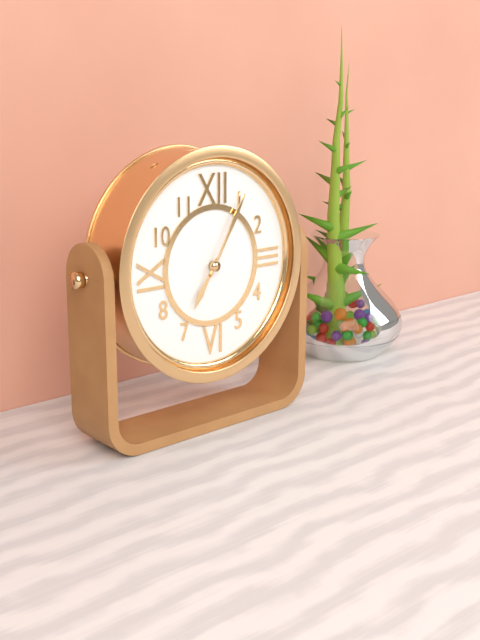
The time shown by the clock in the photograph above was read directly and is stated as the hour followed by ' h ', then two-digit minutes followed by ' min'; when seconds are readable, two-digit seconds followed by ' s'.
7 h 05 min
